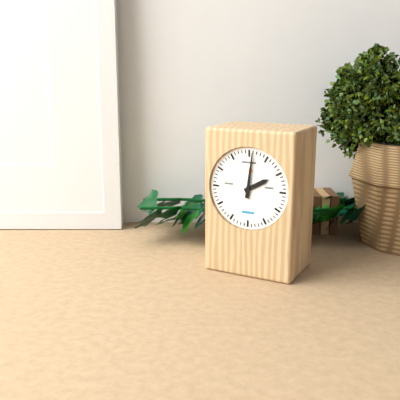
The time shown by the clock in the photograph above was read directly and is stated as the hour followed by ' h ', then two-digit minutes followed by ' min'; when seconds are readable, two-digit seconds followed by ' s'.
2 h 01 min
